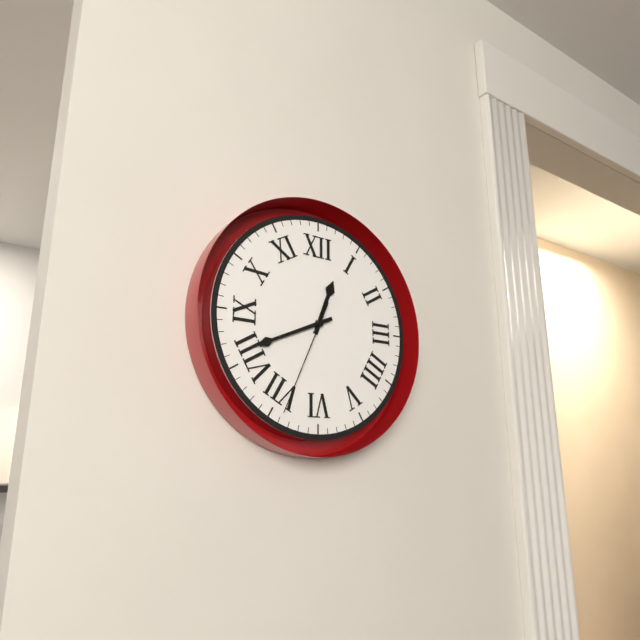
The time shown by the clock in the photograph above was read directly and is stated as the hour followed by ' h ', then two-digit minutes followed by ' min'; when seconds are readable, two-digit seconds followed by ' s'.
12 h 41 min 34 s
